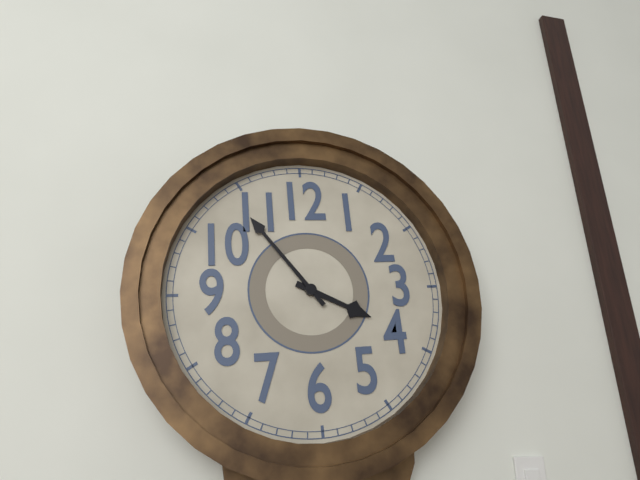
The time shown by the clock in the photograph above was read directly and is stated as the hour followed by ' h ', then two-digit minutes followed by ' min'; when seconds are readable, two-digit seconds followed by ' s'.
3 h 54 min
